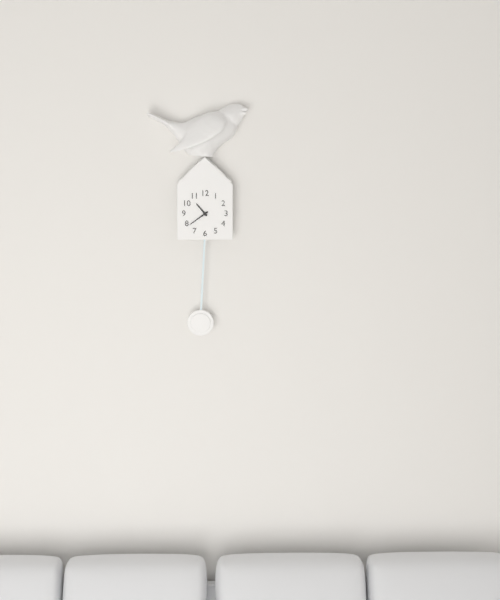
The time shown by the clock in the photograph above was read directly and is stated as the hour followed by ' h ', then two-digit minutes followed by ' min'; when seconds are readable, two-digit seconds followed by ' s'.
10 h 39 min
